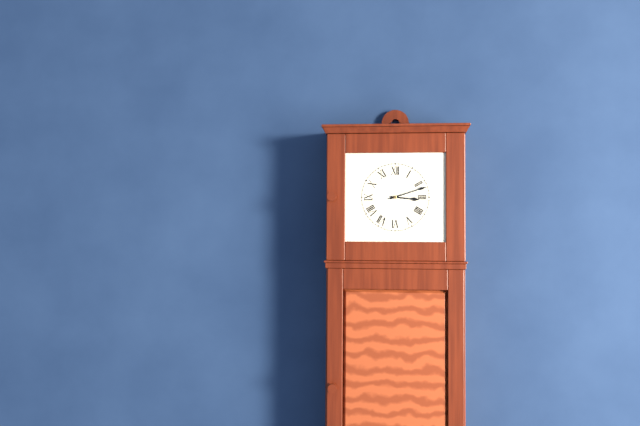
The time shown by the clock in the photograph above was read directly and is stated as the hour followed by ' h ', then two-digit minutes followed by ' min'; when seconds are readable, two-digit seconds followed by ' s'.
3 h 12 min
